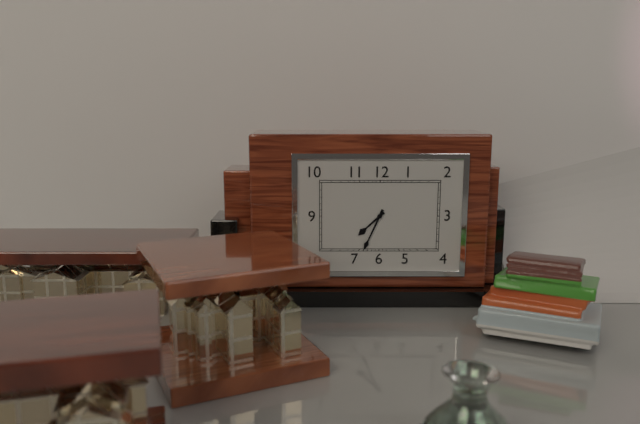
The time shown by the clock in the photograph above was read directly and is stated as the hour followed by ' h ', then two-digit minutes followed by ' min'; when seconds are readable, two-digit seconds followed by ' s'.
7 h 34 min
